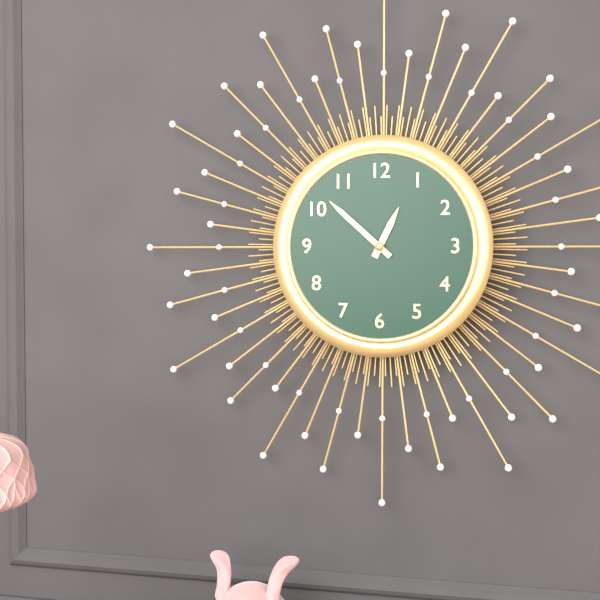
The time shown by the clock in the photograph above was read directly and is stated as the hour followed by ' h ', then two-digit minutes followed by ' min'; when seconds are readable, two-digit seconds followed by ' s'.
12 h 52 min
